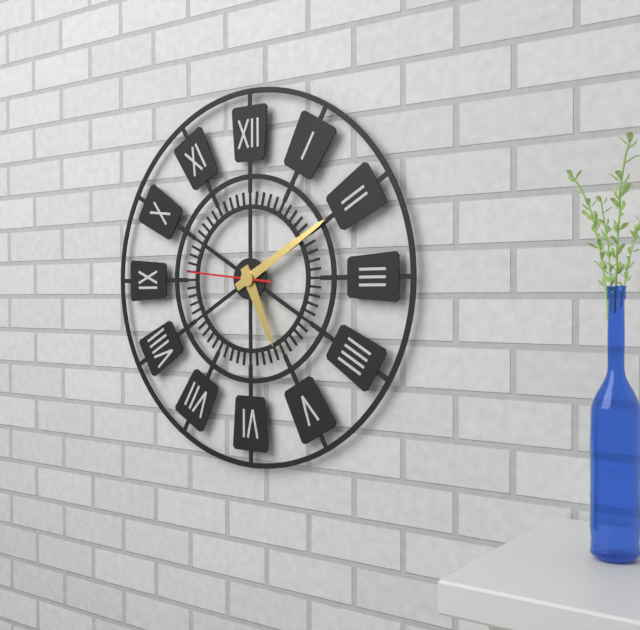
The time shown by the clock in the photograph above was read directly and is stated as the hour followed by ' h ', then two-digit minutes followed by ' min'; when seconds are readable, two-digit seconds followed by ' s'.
5 h 10 min 46 s
